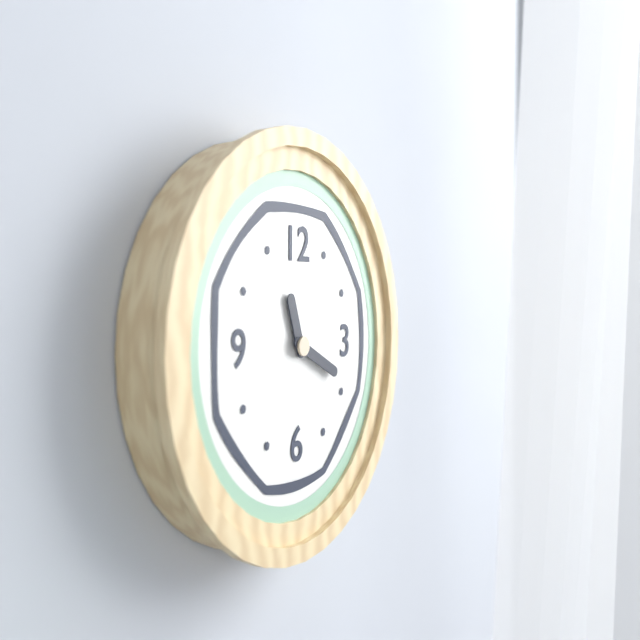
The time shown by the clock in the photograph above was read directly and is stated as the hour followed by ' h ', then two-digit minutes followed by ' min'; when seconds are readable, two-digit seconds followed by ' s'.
11 h 19 min
